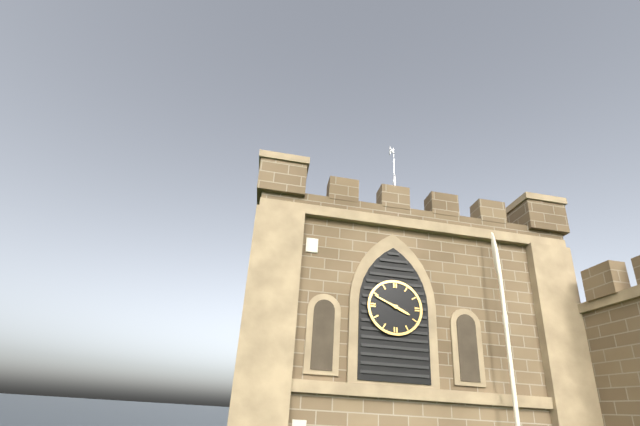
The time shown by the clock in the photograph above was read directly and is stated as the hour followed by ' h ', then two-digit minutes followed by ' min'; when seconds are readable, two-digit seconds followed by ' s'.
3 h 49 min
